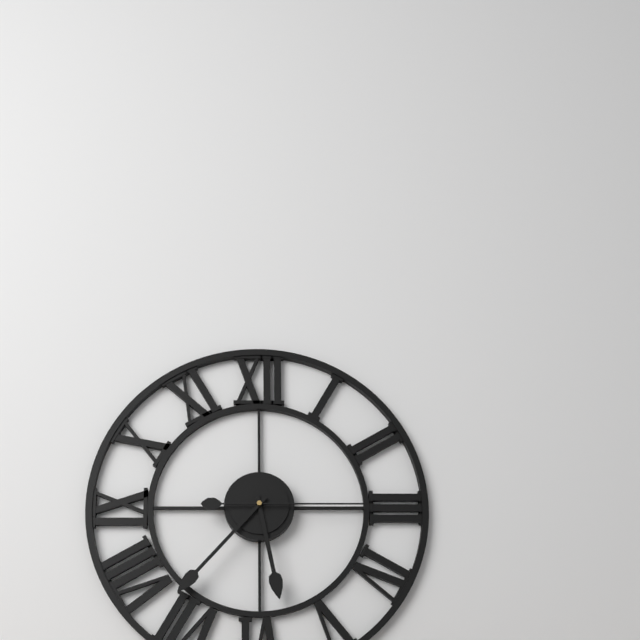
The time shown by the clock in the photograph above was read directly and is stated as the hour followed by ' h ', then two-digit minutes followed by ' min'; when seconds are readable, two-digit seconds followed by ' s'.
5 h 37 min 15 s
